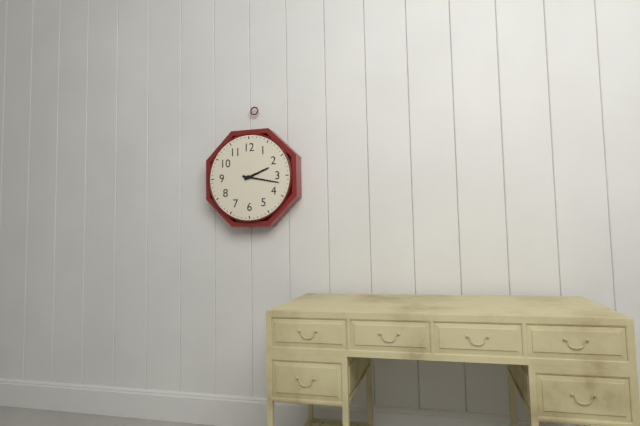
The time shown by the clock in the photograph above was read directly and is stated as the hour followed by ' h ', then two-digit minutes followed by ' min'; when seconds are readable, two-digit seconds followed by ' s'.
2 h 17 min
